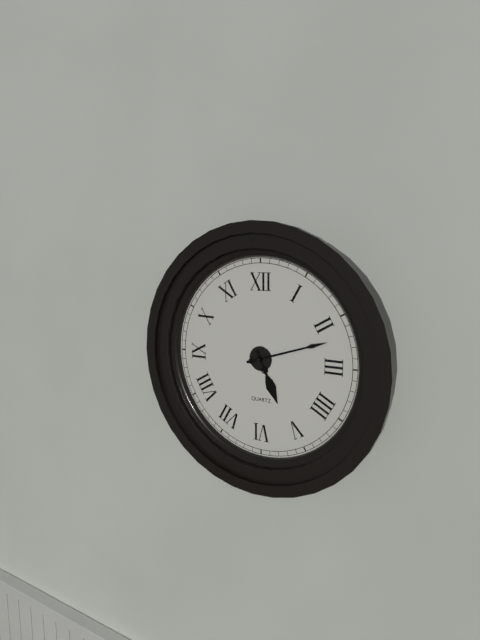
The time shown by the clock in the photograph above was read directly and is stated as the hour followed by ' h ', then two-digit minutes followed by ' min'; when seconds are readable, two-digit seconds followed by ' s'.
5 h 12 min
